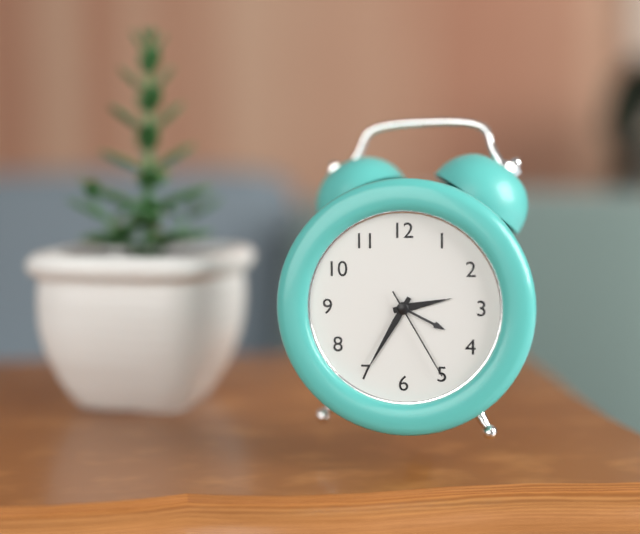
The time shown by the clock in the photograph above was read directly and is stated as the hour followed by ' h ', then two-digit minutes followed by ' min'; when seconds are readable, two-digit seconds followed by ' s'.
2 h 35 min 25 s
